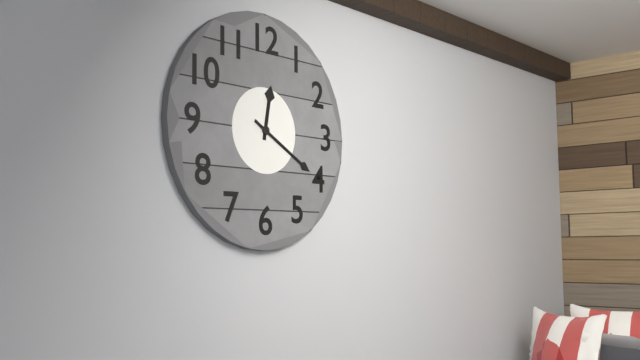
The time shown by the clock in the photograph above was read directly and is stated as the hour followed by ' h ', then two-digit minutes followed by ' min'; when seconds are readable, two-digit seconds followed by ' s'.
12 h 20 min
